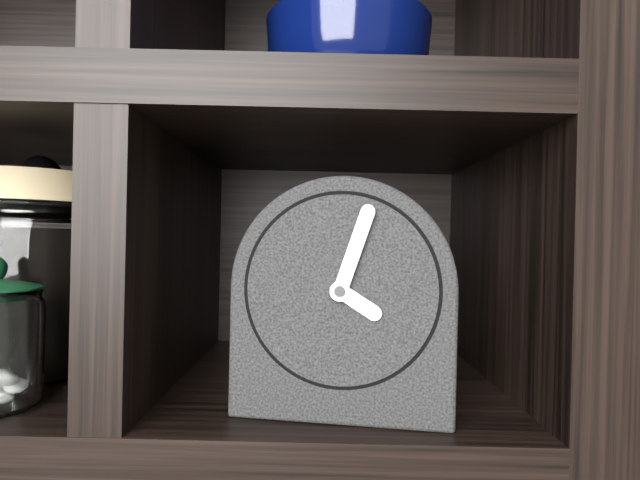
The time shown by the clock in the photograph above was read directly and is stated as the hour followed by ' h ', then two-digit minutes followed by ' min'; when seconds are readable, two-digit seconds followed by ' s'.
4 h 03 min
